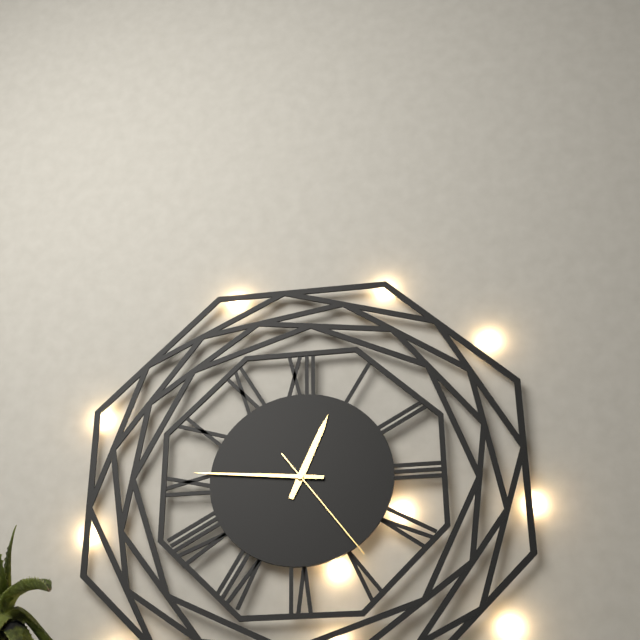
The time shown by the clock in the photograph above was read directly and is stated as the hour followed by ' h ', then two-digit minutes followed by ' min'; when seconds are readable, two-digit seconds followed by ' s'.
12 h 46 min 24 s
